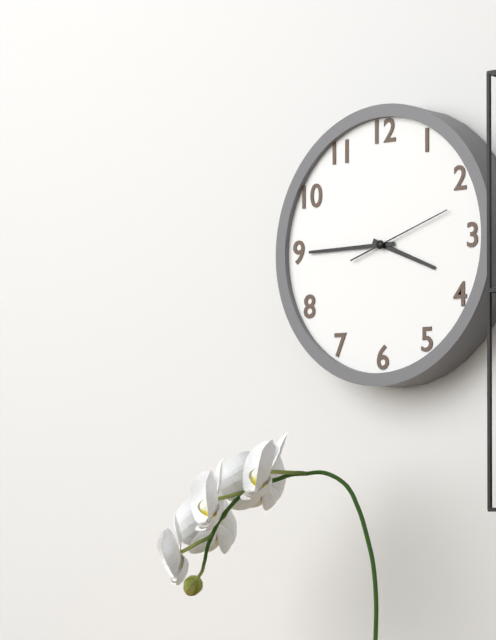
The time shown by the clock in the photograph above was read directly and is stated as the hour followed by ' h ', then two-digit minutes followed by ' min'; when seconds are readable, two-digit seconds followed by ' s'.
3 h 45 min 12 s
